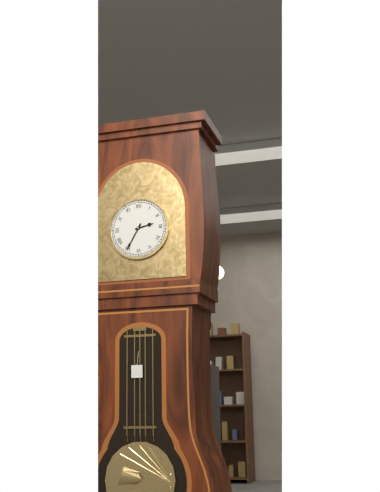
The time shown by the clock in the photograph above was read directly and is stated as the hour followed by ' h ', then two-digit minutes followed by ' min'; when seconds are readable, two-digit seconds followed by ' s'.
2 h 35 min
